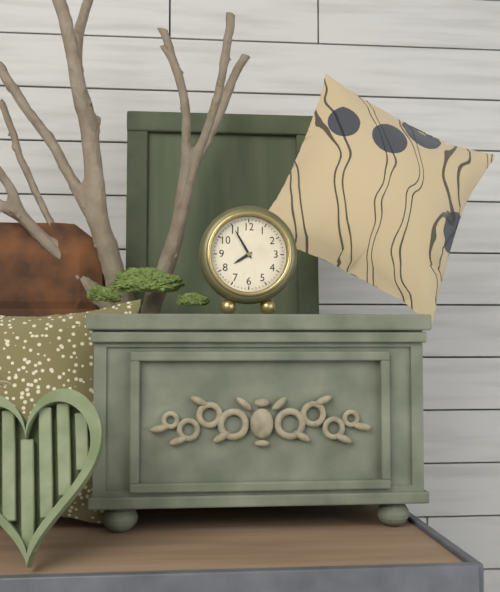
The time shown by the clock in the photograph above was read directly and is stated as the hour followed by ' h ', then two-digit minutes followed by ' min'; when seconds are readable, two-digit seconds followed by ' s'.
7 h 55 min
